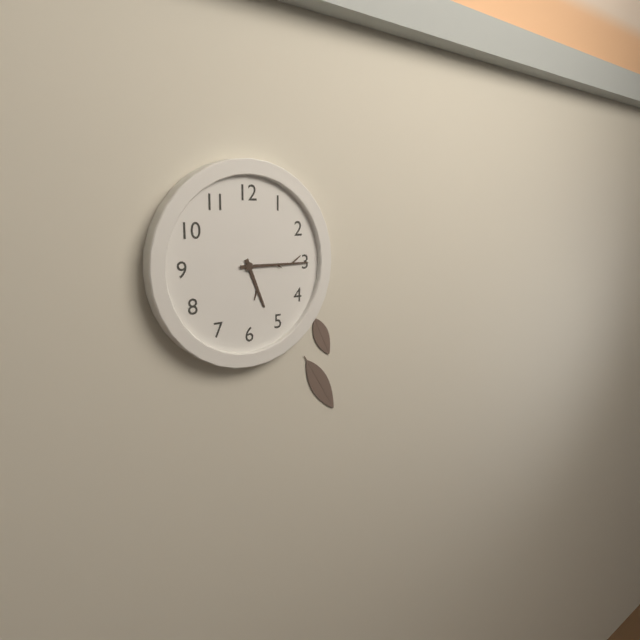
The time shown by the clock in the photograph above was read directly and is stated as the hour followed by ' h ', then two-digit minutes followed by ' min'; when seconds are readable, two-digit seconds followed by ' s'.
5 h 15 min
